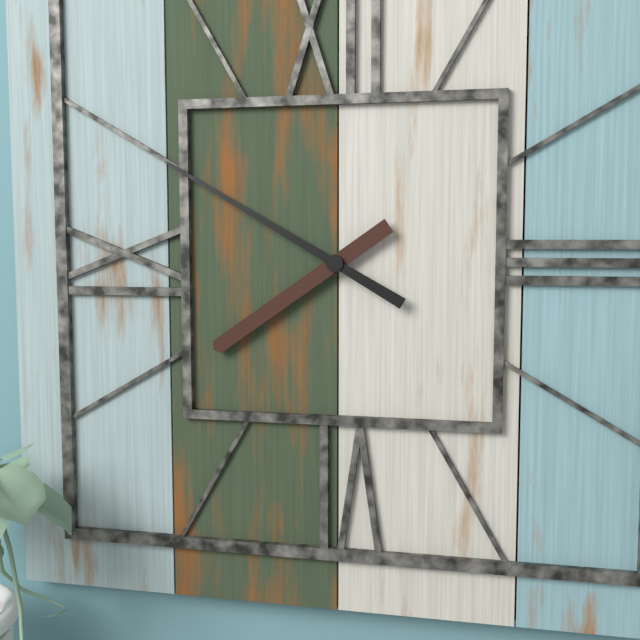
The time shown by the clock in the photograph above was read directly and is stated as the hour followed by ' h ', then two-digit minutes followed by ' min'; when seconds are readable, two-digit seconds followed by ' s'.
7 h 50 min
